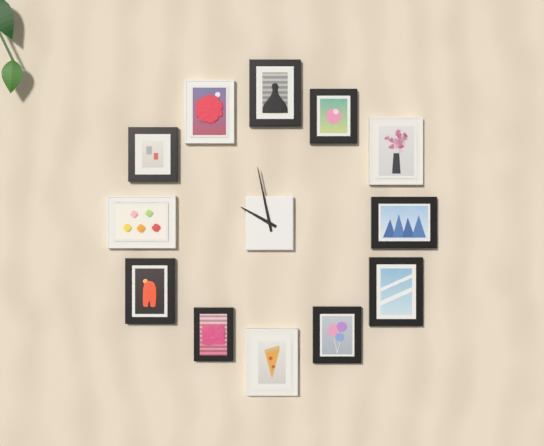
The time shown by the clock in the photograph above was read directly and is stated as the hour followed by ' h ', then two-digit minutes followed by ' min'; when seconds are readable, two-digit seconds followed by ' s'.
9 h 58 min
